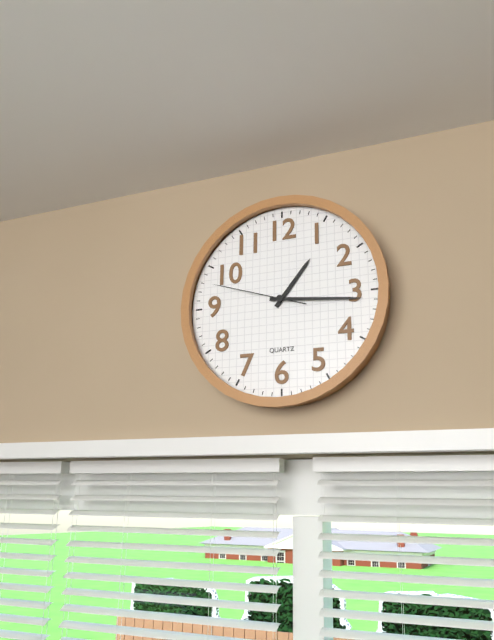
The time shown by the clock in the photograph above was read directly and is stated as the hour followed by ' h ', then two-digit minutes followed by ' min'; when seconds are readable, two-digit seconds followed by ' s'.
1 h 16 min 48 s
